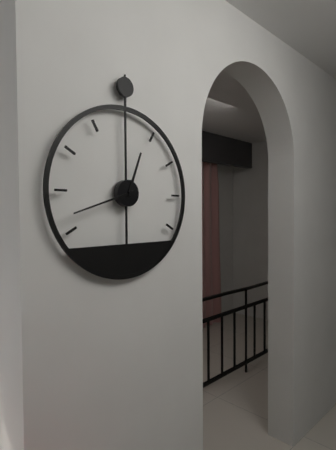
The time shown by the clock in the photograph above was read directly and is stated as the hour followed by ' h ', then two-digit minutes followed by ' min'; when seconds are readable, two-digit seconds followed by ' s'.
12 h 42 min
